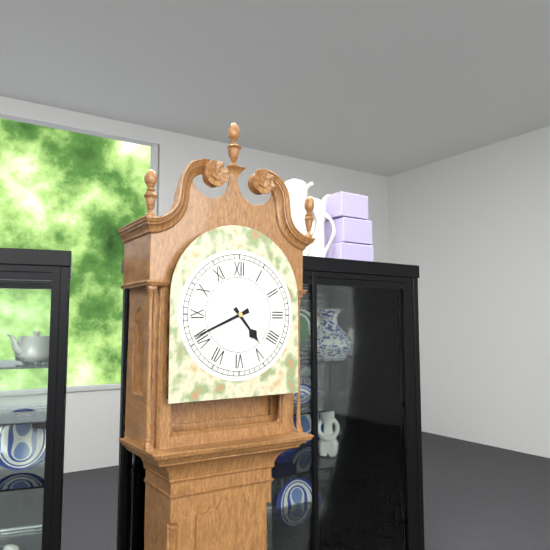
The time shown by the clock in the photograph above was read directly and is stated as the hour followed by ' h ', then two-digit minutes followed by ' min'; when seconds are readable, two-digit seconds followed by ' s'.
4 h 41 min
